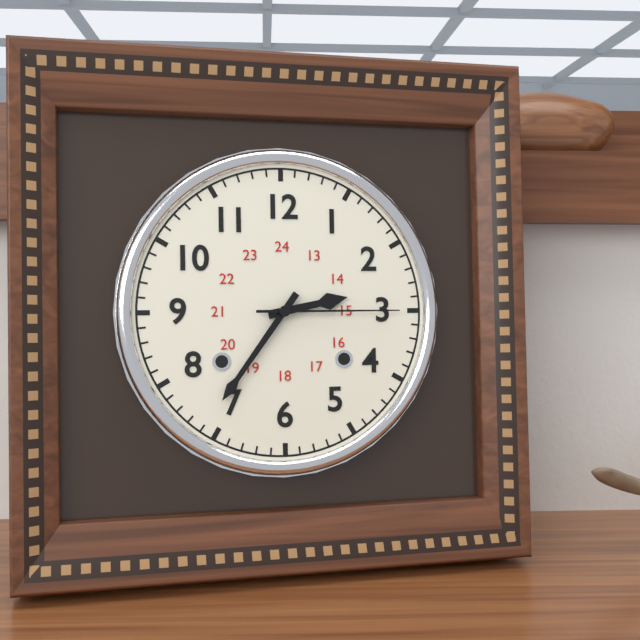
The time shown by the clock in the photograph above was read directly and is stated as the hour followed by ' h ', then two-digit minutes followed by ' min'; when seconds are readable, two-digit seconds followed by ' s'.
2 h 36 min 15 s
